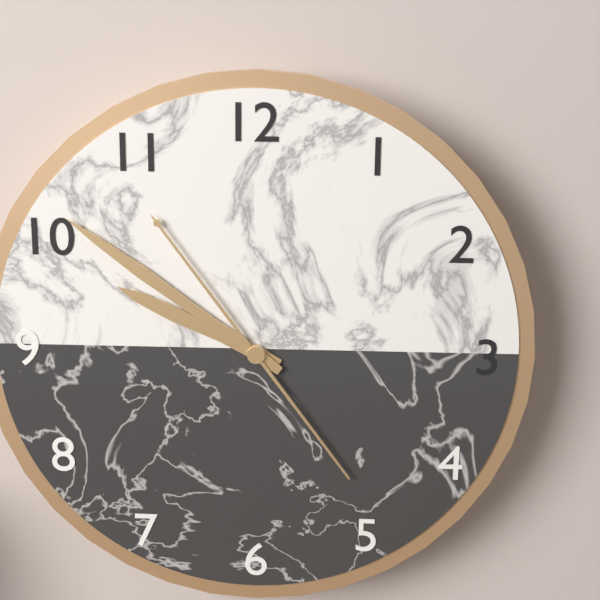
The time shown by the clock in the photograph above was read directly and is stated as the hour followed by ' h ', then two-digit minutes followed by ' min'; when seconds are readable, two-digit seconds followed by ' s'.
9 h 51 min 54 s
